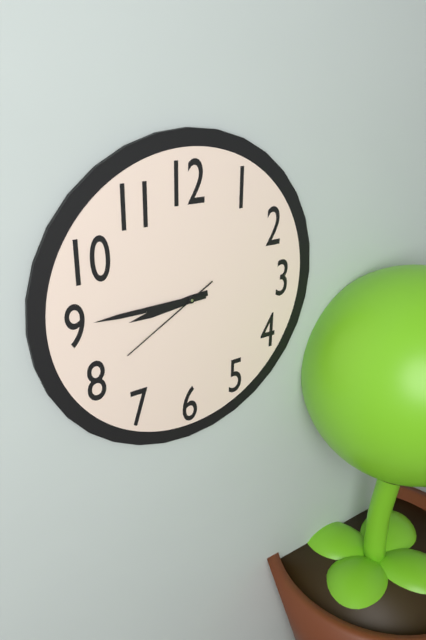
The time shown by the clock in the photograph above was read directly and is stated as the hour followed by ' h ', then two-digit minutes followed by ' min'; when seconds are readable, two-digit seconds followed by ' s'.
8 h 45 min 40 s
